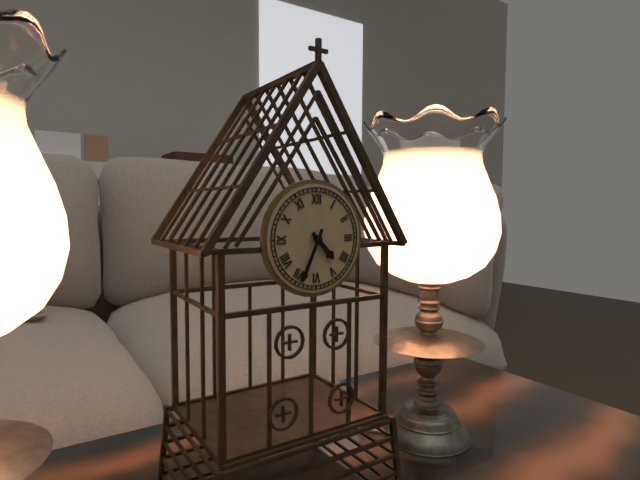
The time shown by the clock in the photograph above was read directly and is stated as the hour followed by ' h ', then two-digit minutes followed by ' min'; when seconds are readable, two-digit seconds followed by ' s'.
4 h 34 min
